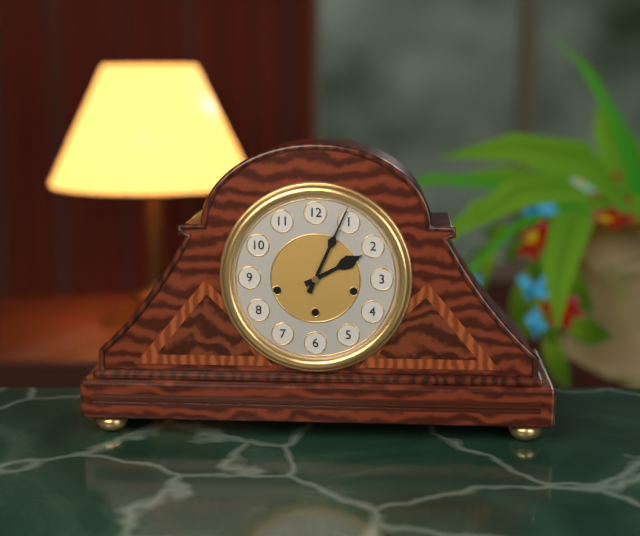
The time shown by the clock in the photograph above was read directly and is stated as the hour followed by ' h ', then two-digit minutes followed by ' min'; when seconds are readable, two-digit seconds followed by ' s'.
2 h 04 min
